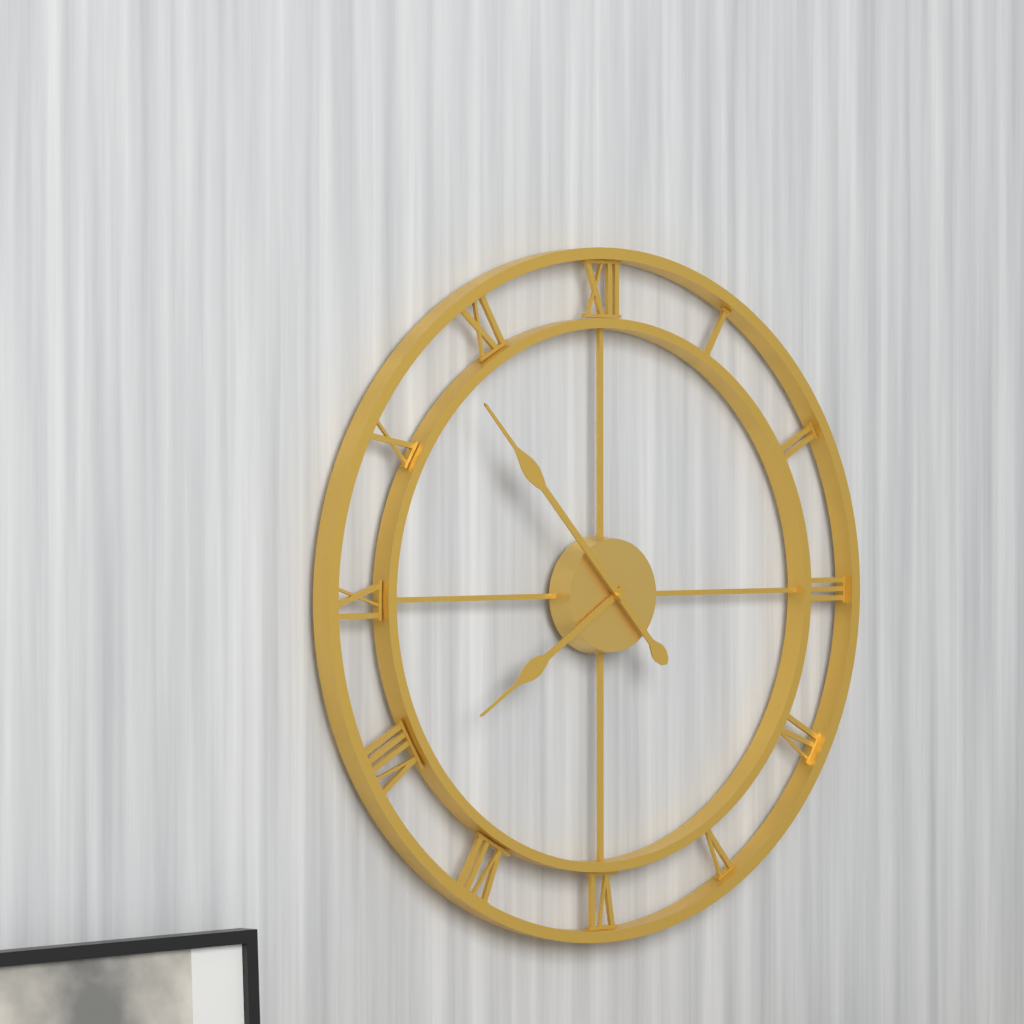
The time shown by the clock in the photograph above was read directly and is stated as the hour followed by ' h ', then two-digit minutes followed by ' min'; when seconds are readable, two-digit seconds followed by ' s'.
7 h 53 min
